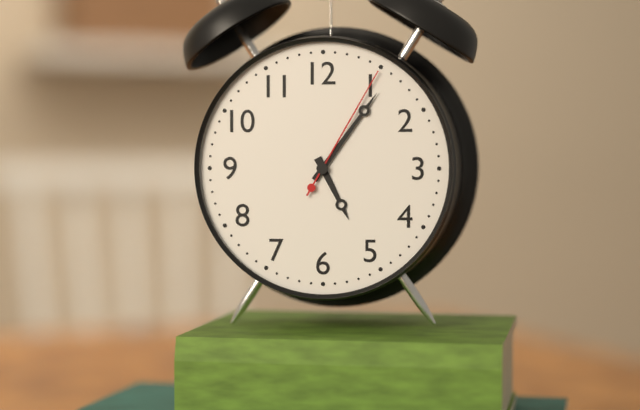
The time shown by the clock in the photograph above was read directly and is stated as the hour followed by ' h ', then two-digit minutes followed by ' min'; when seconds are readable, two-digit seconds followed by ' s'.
5 h 06 min 05 s
